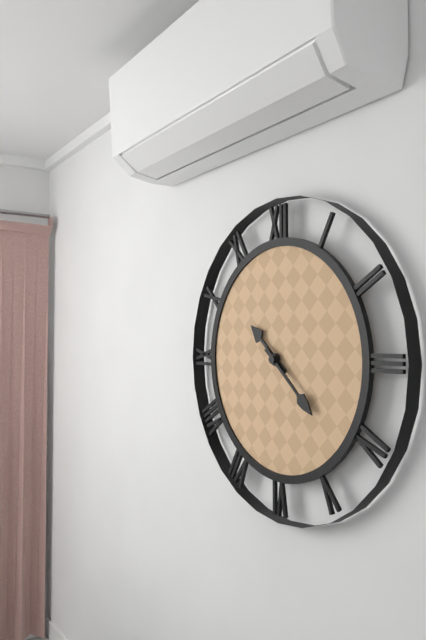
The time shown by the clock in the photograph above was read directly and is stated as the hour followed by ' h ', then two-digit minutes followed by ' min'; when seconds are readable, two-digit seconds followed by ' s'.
10 h 22 min
